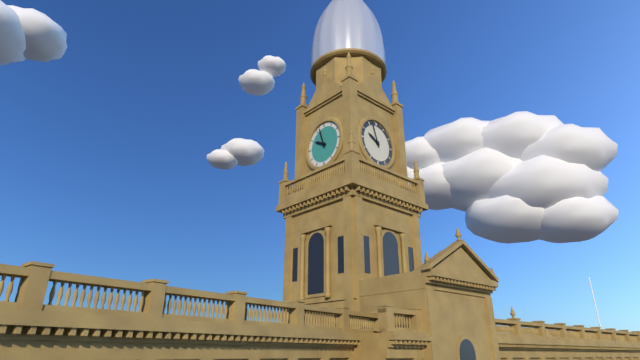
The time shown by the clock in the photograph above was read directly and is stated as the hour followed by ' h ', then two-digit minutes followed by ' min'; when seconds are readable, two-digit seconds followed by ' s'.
9 h 57 min
